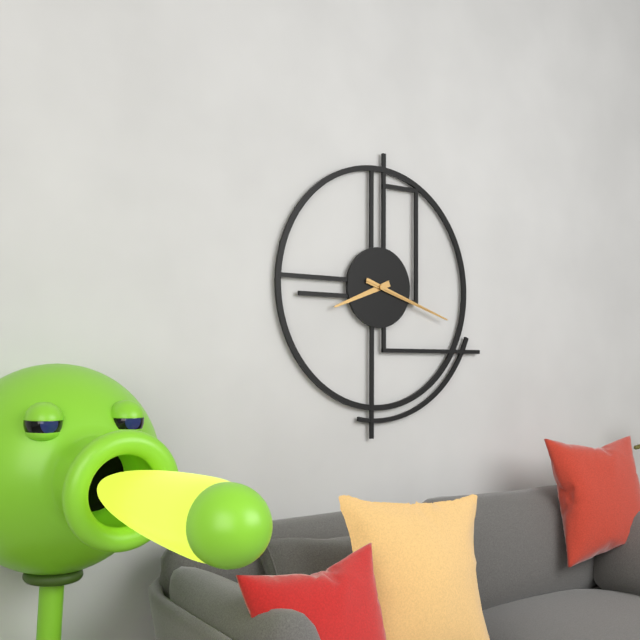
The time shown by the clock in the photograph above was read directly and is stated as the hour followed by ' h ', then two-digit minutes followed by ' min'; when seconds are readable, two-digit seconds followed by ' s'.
8 h 18 min 18 s
